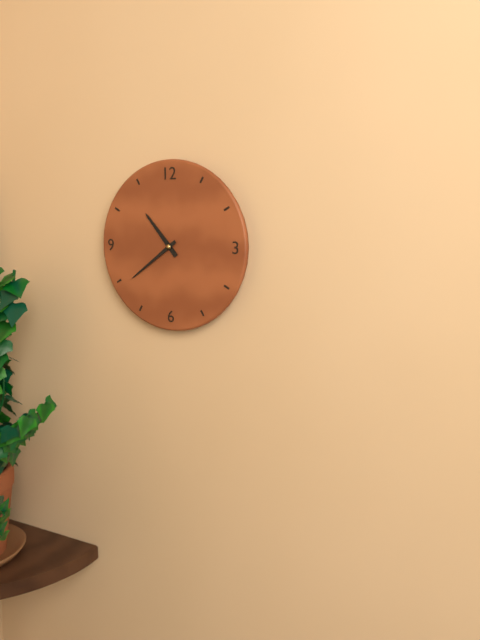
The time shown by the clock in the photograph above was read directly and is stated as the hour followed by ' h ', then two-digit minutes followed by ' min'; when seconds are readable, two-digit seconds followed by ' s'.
10 h 39 min
